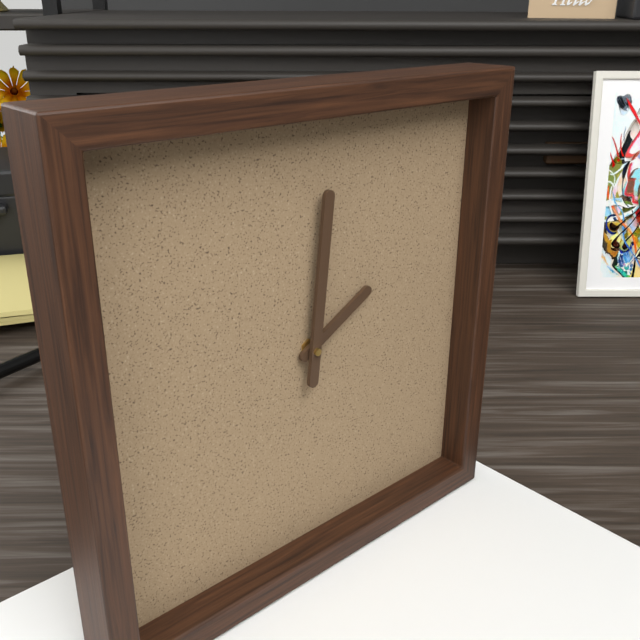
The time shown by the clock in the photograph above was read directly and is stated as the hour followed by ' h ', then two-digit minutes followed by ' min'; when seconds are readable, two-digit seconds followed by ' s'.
2 h 01 min
